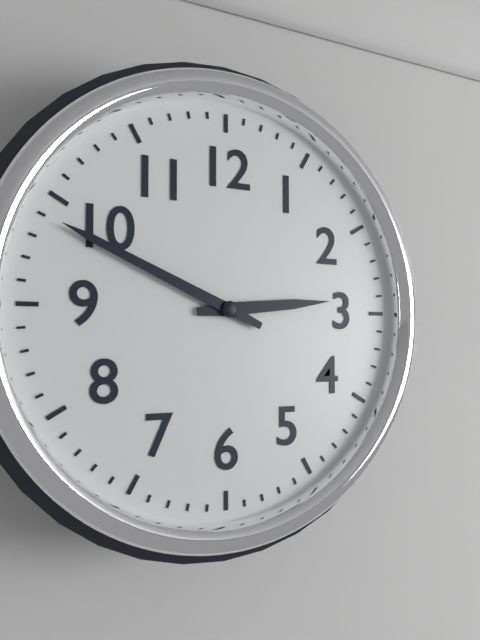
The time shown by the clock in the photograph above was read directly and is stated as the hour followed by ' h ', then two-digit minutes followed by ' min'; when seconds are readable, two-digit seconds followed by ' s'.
2 h 49 min
